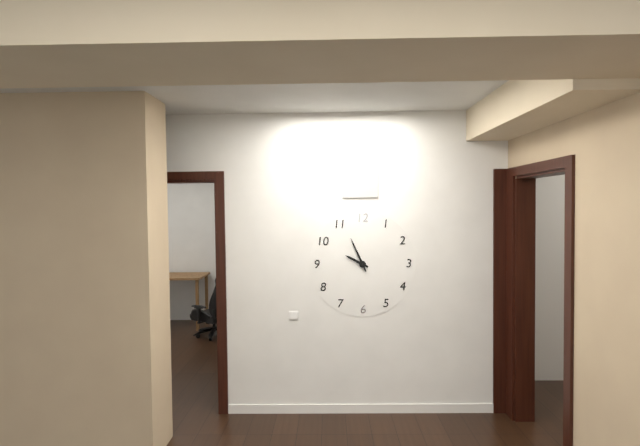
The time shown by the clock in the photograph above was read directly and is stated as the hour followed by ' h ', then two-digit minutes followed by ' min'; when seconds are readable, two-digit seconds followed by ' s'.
9 h 56 min
